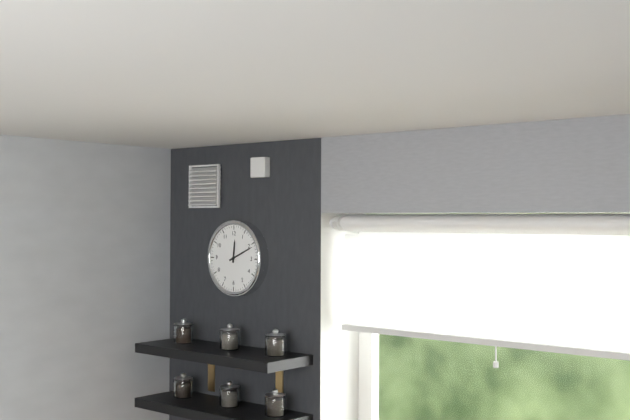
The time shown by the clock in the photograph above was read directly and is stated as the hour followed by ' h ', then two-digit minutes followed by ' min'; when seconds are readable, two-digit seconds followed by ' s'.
12 h 11 min
